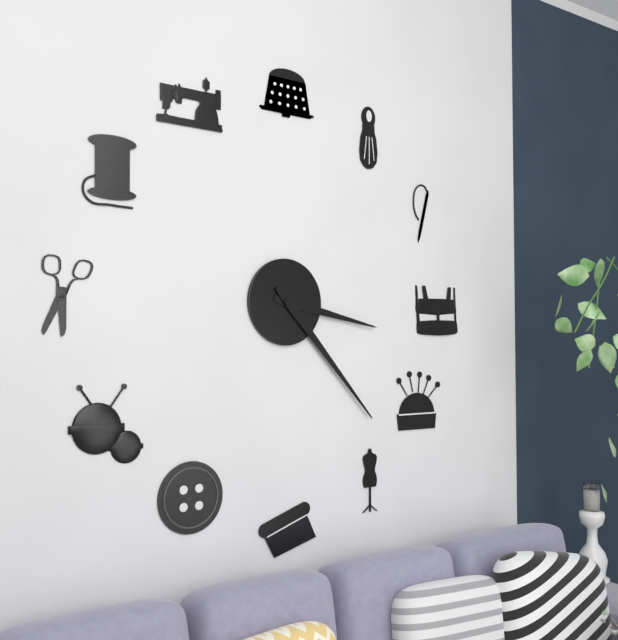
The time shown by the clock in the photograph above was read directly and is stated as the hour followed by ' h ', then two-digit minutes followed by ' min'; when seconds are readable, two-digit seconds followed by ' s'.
3 h 23 min
